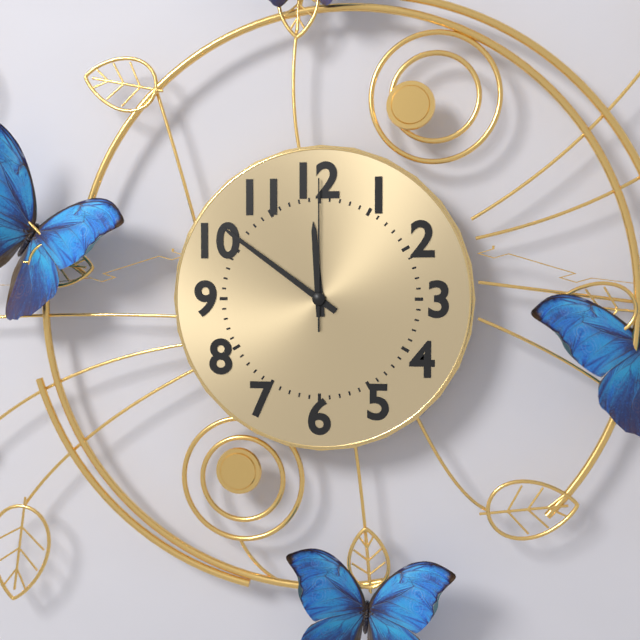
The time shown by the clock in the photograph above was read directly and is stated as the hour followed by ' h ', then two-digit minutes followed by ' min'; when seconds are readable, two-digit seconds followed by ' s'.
11 h 51 min 00 s
